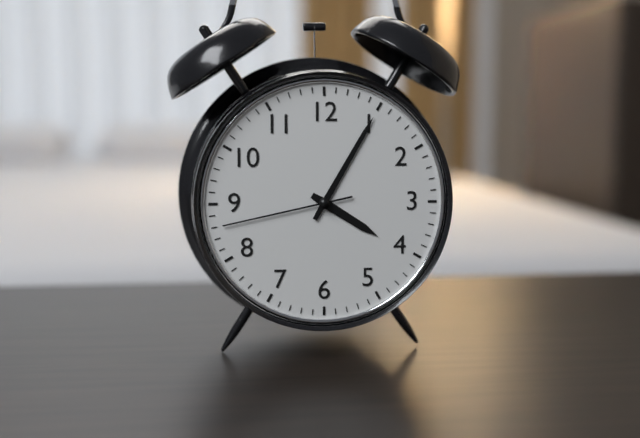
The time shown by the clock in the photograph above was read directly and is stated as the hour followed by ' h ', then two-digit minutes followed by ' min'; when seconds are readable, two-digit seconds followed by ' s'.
4 h 05 min 43 s
